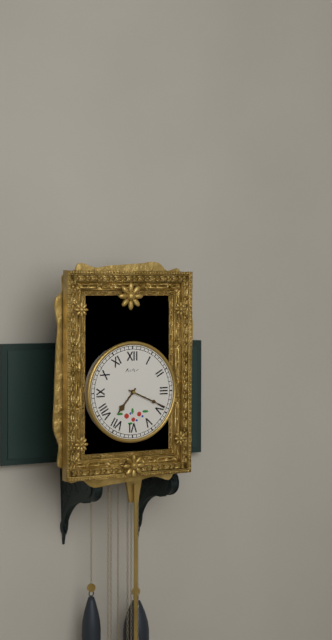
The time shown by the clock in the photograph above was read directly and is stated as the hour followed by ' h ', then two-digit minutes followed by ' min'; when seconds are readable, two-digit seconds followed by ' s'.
7 h 19 min
